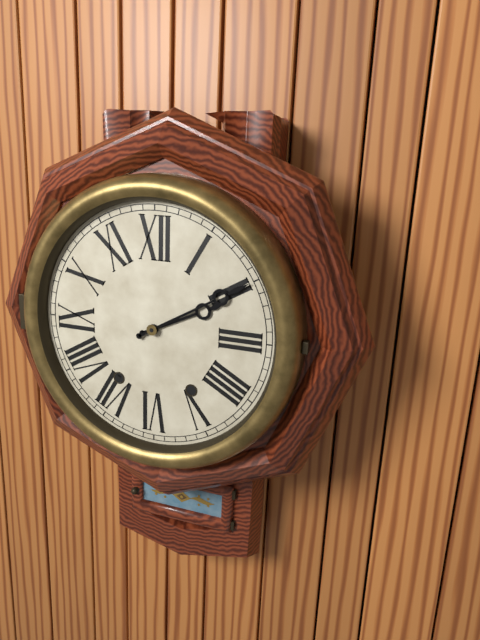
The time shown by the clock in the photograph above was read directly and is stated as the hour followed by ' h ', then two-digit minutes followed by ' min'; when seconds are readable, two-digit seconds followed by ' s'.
2 h 10 min
